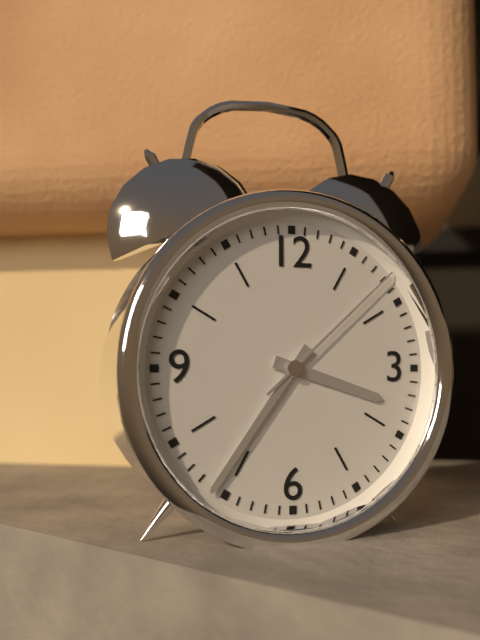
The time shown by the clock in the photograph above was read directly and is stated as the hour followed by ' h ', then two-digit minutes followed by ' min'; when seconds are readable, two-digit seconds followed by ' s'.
3 h 36 min 08 s
